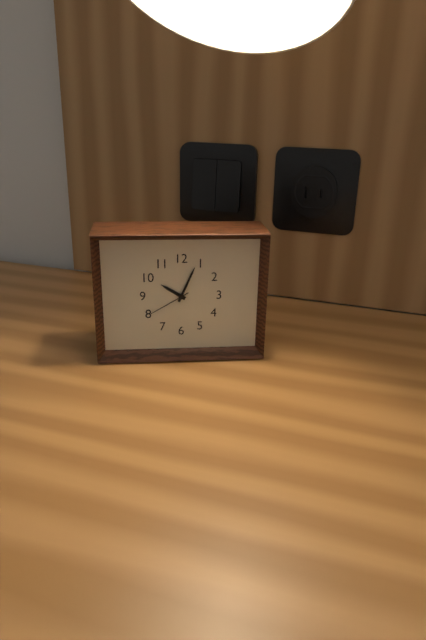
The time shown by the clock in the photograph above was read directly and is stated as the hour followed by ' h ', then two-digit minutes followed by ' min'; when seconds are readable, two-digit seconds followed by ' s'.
10 h 04 min 40 s
